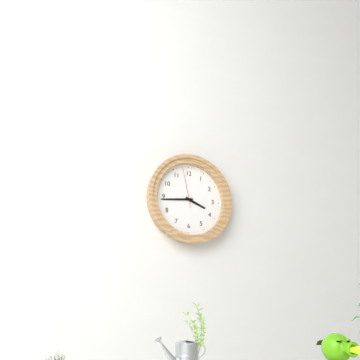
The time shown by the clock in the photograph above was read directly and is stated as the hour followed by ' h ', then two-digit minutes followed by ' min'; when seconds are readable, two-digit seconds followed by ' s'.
3 h 44 min
